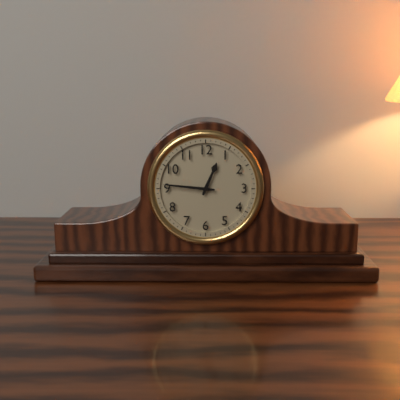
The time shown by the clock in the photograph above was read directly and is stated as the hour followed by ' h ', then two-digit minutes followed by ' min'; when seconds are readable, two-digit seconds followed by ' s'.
12 h 46 min
